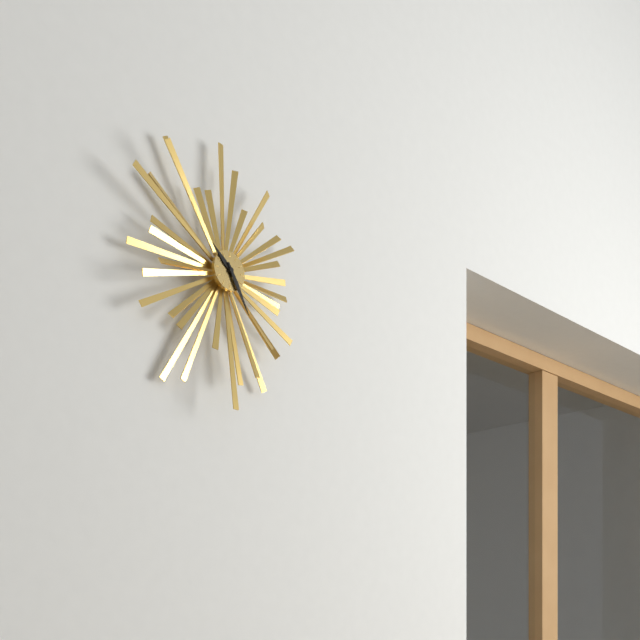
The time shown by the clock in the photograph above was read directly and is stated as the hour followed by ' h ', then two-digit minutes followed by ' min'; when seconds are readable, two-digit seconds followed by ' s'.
10 h 25 min
